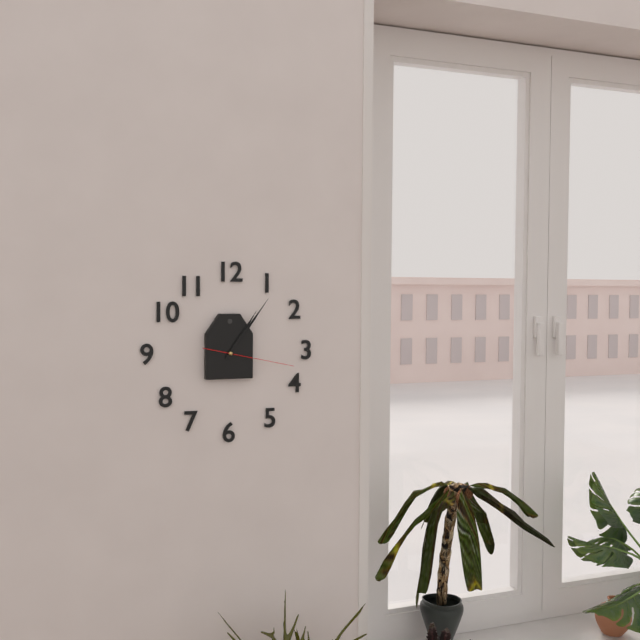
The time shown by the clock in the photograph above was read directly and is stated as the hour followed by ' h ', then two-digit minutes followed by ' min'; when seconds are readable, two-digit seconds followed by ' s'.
1 h 06 min 17 s
